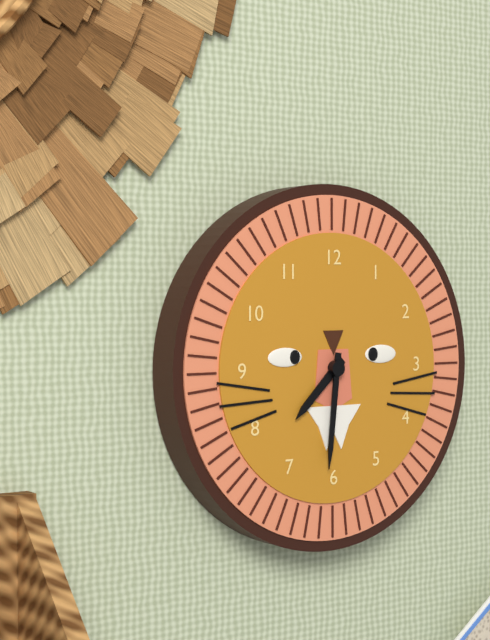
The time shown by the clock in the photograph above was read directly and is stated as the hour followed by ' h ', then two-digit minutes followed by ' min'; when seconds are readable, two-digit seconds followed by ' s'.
7 h 31 min
